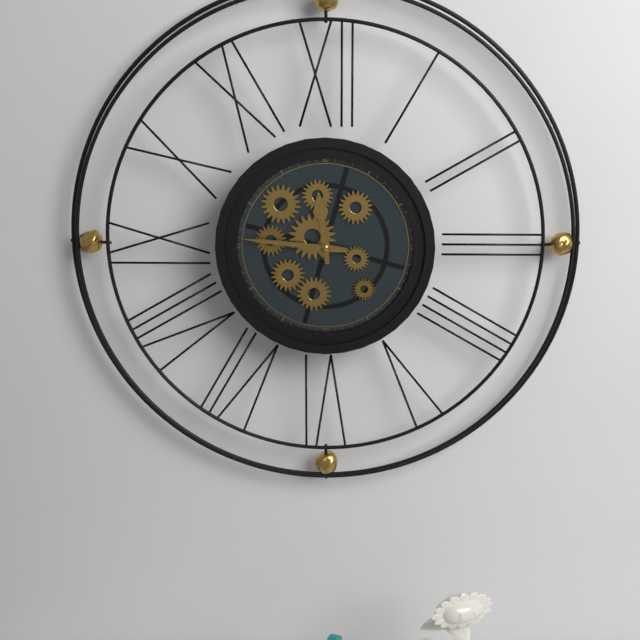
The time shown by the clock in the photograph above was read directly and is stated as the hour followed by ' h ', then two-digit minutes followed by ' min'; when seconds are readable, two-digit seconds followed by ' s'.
11 h 46 min
